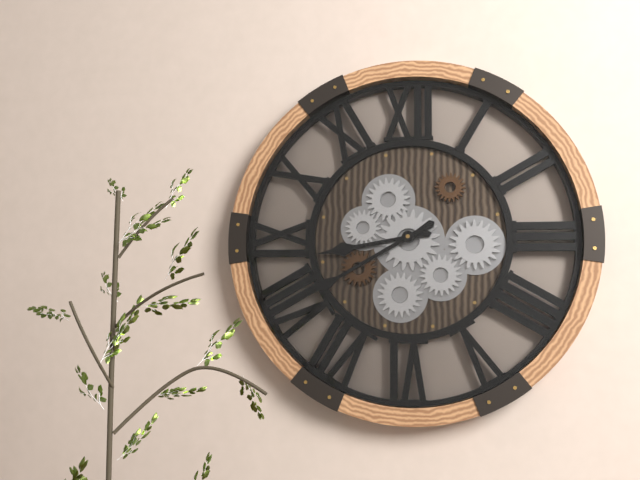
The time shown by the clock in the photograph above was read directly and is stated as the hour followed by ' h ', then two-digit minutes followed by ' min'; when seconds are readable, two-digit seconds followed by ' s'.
8 h 40 min
